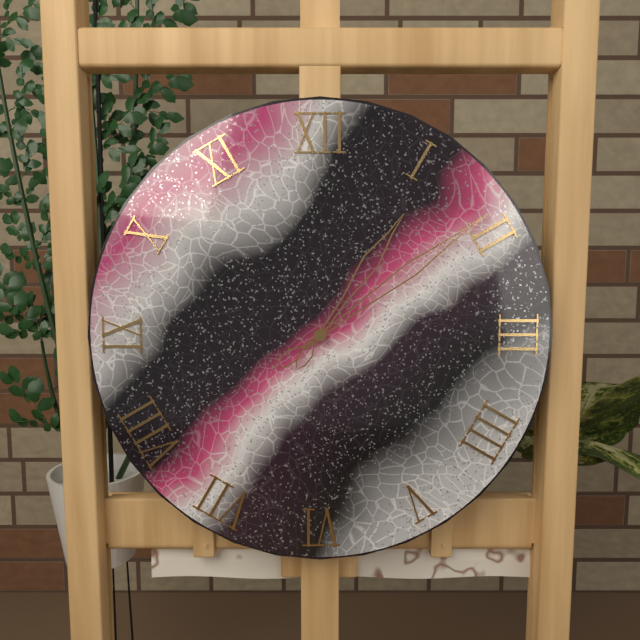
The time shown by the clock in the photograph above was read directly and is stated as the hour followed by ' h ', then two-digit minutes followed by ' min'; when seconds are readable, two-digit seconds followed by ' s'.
1 h 09 min
